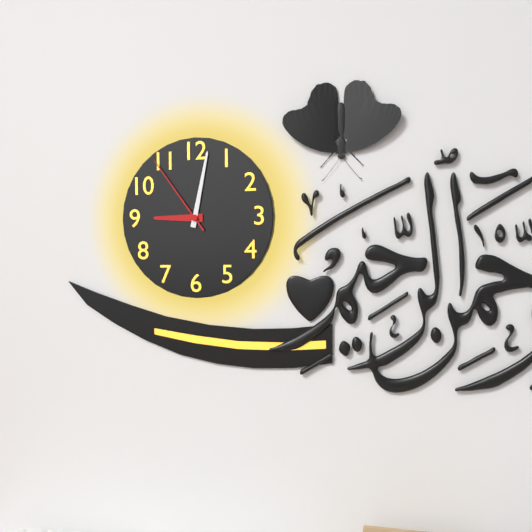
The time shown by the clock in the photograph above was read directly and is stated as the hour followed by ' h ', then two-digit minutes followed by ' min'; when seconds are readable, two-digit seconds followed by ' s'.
9 h 02 min 54 s
